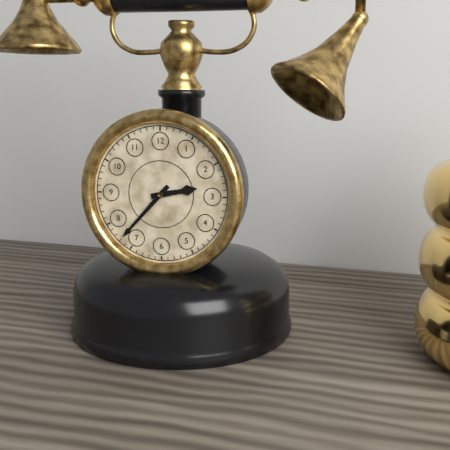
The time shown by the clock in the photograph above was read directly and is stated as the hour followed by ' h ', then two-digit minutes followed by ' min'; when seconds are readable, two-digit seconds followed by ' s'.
2 h 37 min
